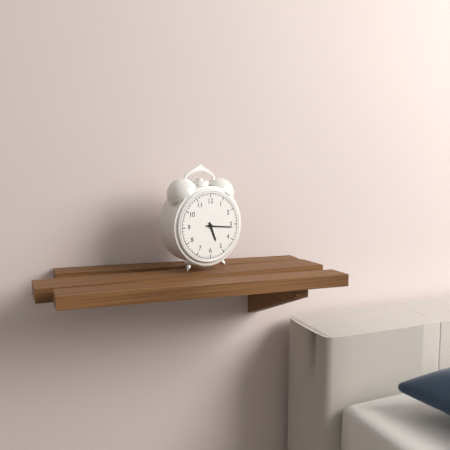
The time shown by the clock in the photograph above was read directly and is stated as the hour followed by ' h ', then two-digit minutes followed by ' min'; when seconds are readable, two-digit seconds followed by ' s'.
5 h 16 min
